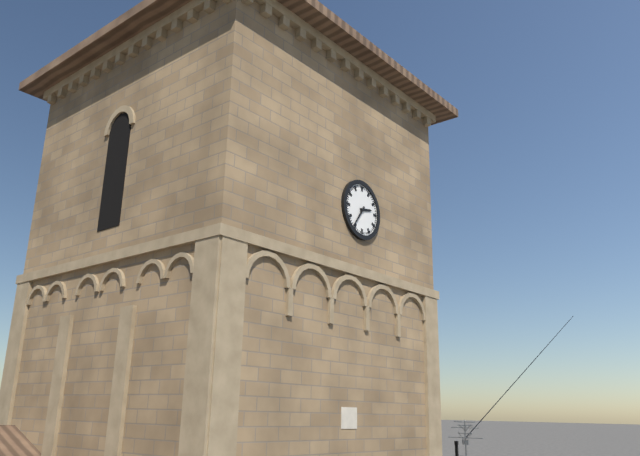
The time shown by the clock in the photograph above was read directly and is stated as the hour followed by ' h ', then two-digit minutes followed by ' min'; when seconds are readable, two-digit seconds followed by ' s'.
2 h 36 min
